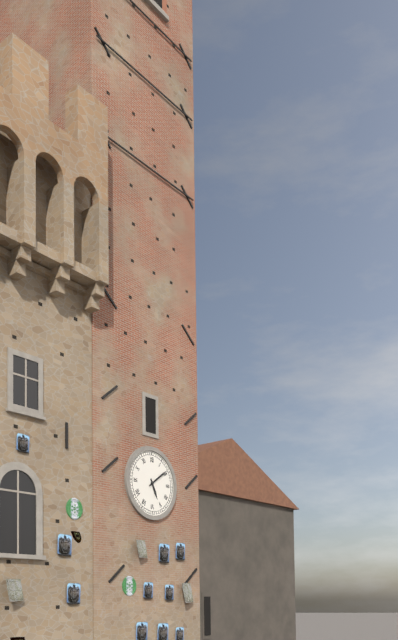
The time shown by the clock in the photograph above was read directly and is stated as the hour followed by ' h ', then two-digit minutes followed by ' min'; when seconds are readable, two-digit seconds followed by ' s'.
5 h 09 min
